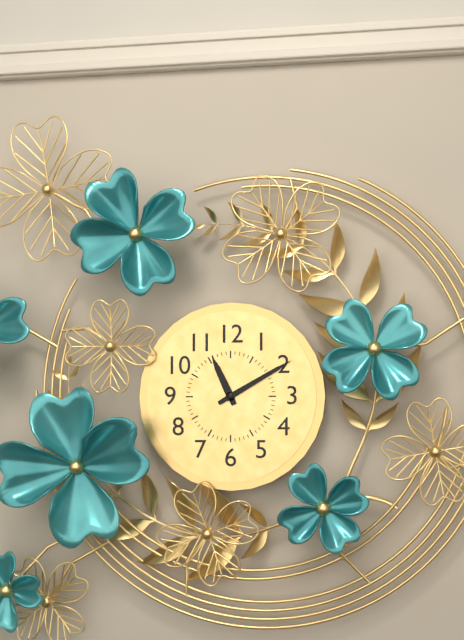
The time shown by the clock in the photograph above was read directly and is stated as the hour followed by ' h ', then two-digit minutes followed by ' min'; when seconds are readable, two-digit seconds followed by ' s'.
11 h 10 min
